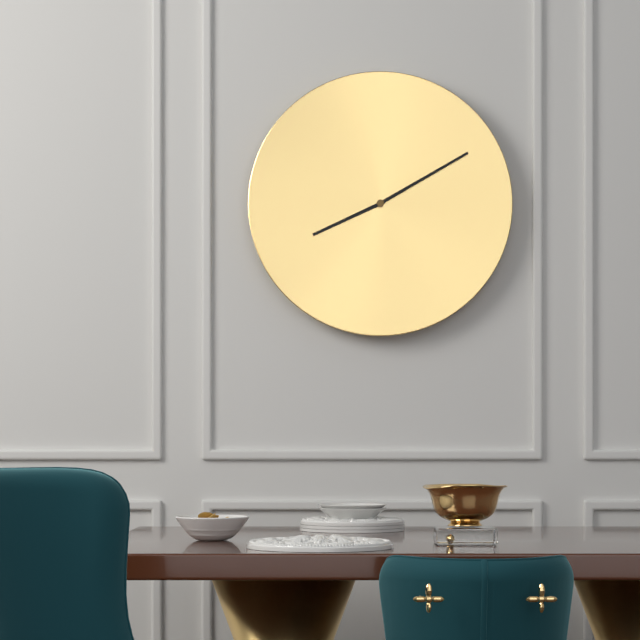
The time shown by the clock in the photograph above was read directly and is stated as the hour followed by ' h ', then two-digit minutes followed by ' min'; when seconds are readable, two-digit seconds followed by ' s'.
8 h 10 min
